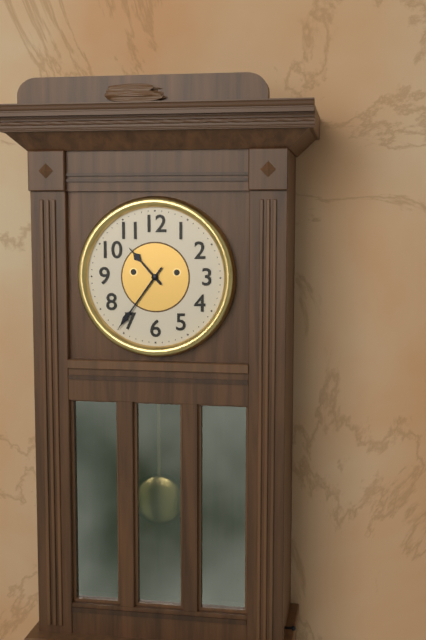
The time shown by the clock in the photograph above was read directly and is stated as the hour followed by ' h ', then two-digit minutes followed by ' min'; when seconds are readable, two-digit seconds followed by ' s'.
10 h 36 min
